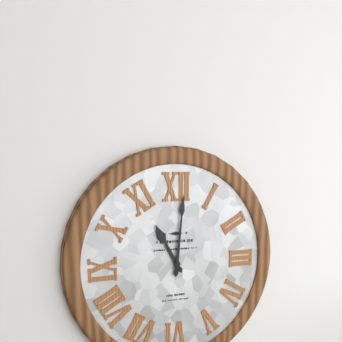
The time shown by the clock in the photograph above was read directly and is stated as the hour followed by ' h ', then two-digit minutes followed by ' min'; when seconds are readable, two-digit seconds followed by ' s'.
11 h 01 min
